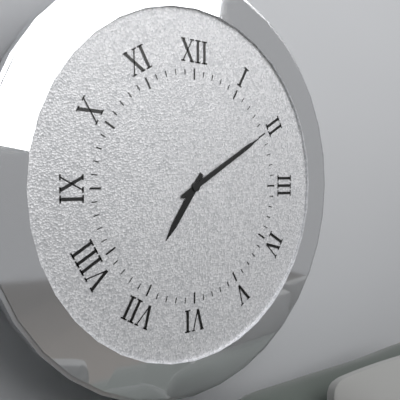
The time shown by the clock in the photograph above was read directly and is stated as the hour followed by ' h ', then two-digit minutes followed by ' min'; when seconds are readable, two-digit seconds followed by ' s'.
7 h 10 min
